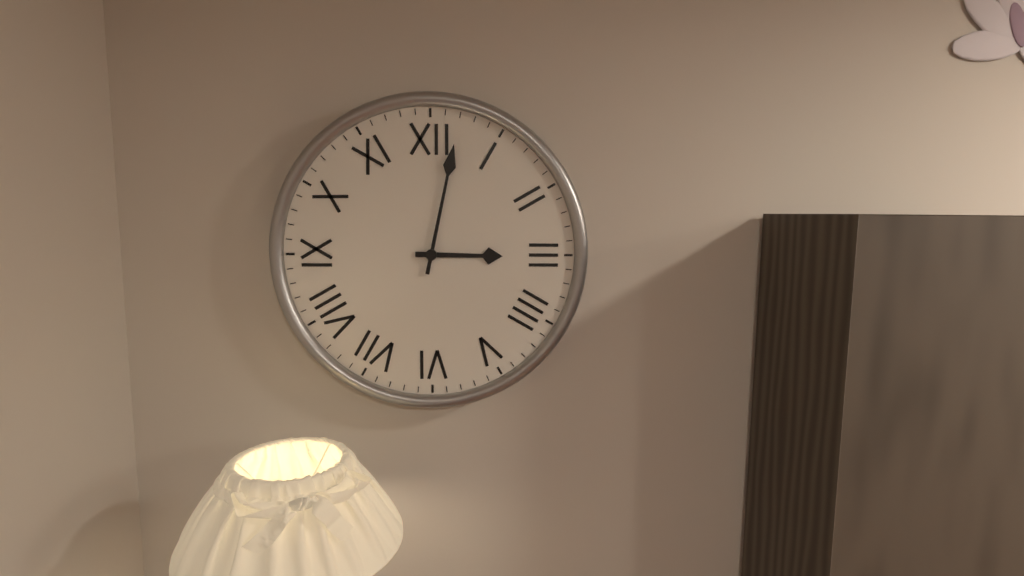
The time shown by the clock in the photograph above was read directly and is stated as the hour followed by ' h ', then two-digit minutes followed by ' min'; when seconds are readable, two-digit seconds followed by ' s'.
3 h 02 min
